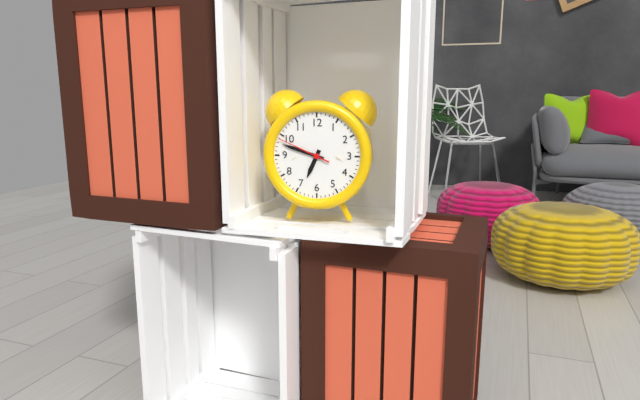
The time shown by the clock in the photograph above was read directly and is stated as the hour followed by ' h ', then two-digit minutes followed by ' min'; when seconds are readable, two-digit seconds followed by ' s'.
6 h 48 min 49 s
